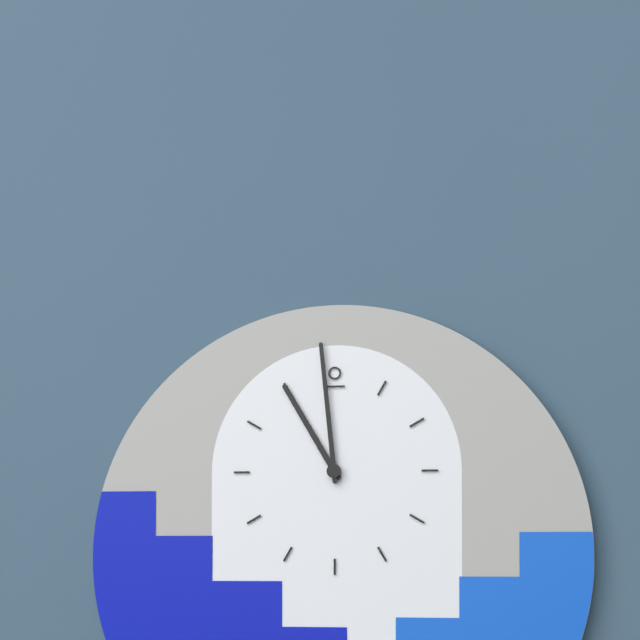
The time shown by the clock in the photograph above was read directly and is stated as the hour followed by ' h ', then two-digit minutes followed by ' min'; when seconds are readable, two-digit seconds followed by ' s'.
10 h 59 min
